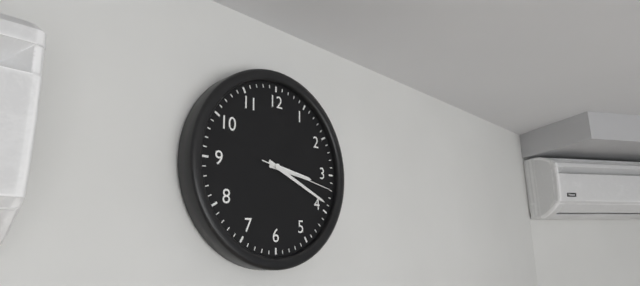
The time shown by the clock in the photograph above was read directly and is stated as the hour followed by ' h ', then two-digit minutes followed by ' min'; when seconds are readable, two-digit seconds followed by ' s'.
3 h 19 min 17 s
